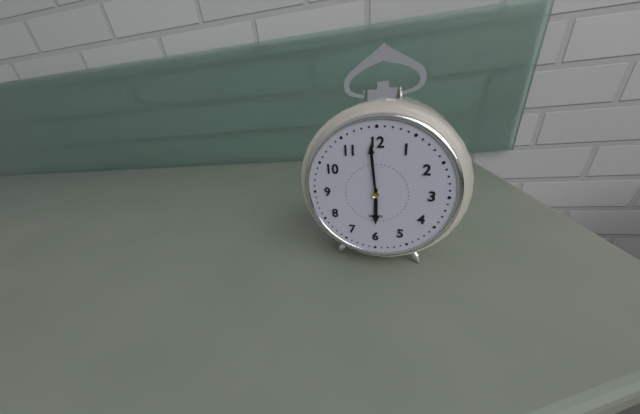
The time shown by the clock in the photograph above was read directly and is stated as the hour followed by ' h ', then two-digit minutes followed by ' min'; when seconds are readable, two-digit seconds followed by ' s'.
5 h 59 min
